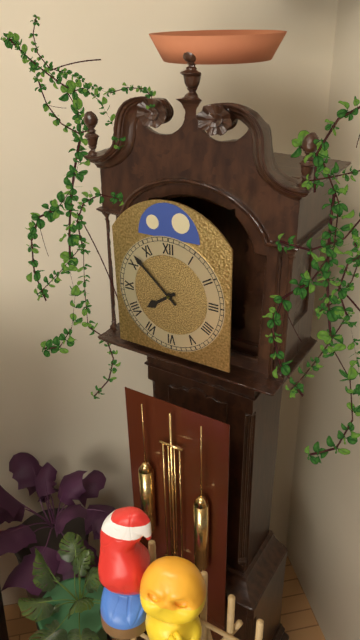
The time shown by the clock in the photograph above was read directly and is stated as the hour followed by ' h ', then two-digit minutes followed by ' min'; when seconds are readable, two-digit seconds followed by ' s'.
7 h 52 min
